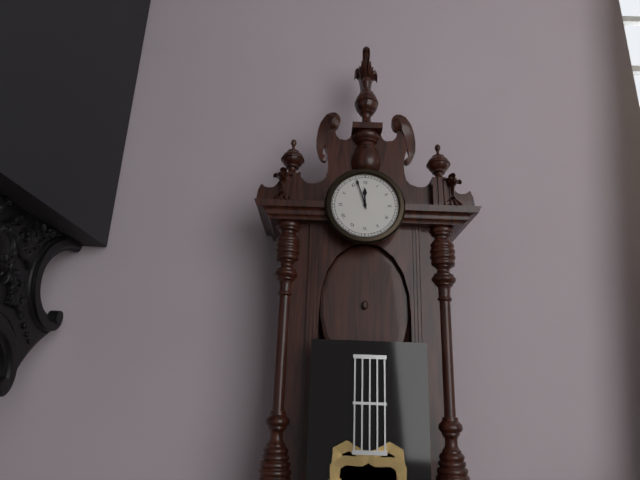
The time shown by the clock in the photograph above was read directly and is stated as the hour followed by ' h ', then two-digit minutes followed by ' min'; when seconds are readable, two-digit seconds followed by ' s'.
11 h 57 min
